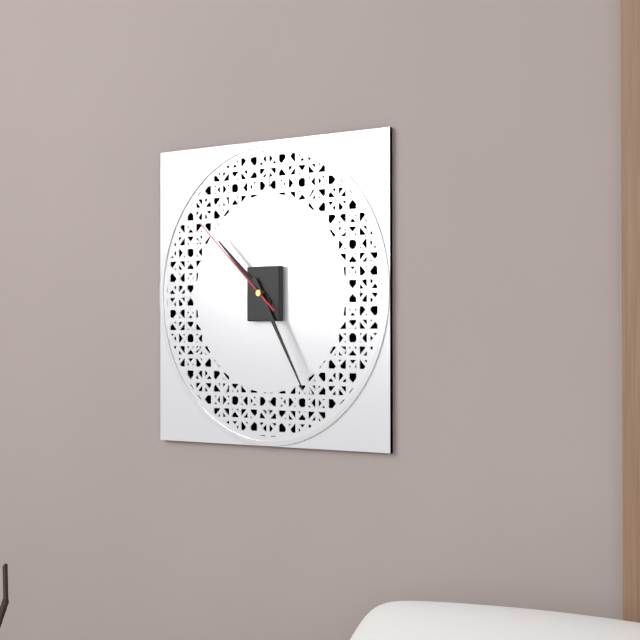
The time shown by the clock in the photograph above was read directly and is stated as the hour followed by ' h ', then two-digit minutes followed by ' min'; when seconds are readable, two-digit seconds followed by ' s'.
10 h 25 min 52 s
